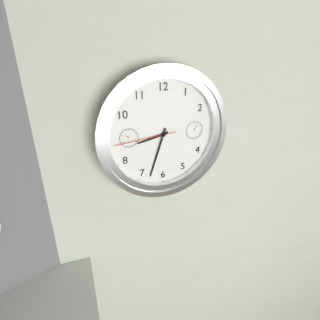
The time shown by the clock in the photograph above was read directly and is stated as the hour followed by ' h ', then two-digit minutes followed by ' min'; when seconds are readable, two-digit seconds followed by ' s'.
8 h 33 min 44 s
